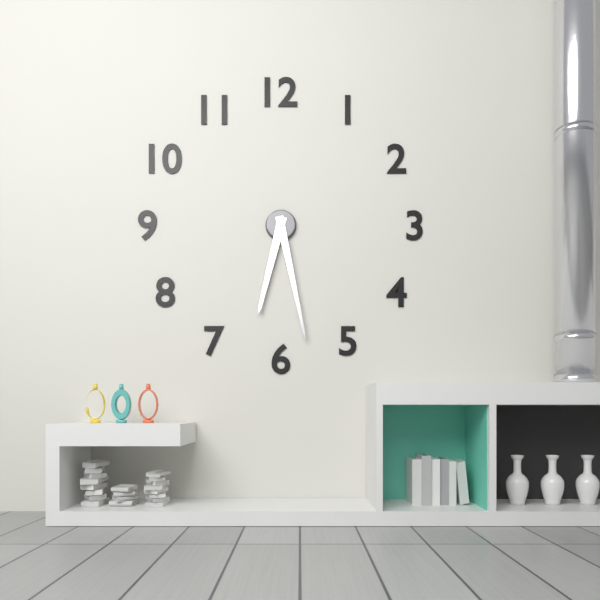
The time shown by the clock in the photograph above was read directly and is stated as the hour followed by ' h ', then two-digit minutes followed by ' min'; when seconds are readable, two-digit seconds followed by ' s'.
6 h 28 min
